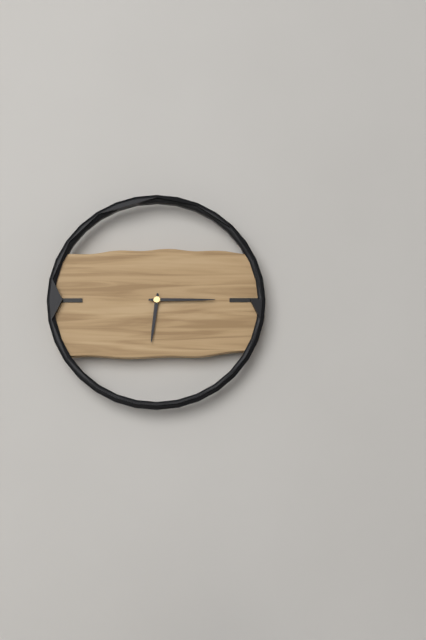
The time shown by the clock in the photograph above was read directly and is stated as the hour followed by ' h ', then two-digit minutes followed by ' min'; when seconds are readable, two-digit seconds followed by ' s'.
6 h 15 min
